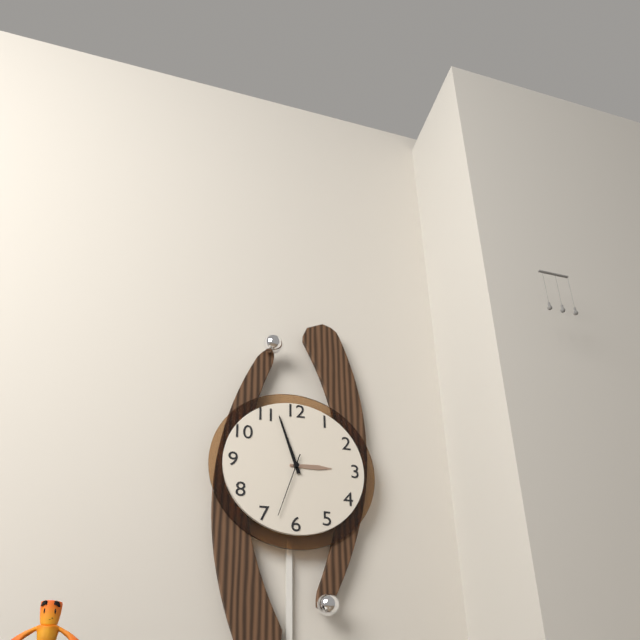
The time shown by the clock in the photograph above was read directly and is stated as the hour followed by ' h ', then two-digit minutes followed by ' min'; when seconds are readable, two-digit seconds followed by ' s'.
2 h 57 min 33 s
